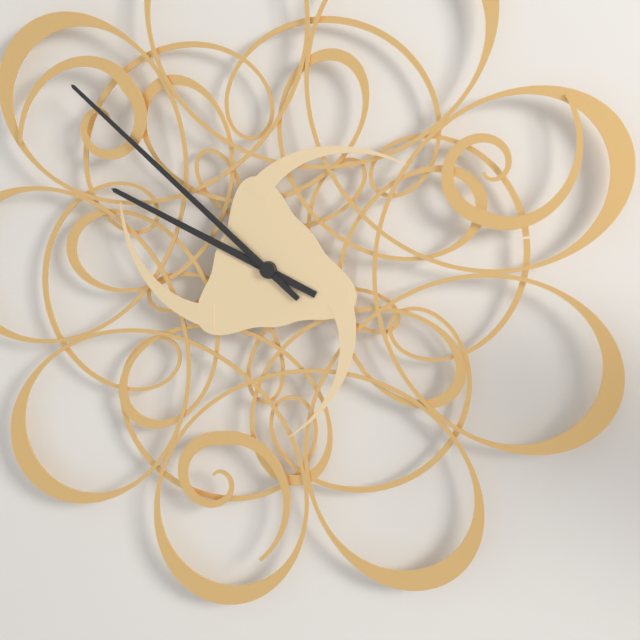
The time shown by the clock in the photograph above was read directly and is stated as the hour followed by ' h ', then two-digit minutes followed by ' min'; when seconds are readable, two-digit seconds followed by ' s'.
9 h 52 min
